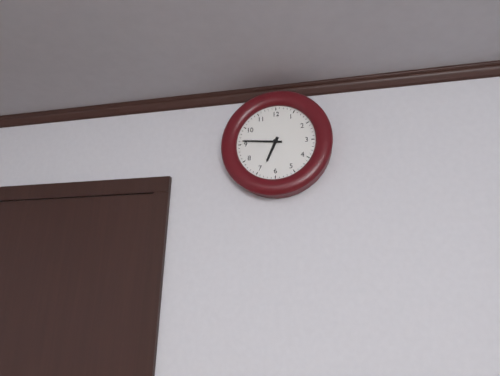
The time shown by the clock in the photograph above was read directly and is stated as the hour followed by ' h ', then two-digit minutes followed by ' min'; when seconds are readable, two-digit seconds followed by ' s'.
6 h 46 min
